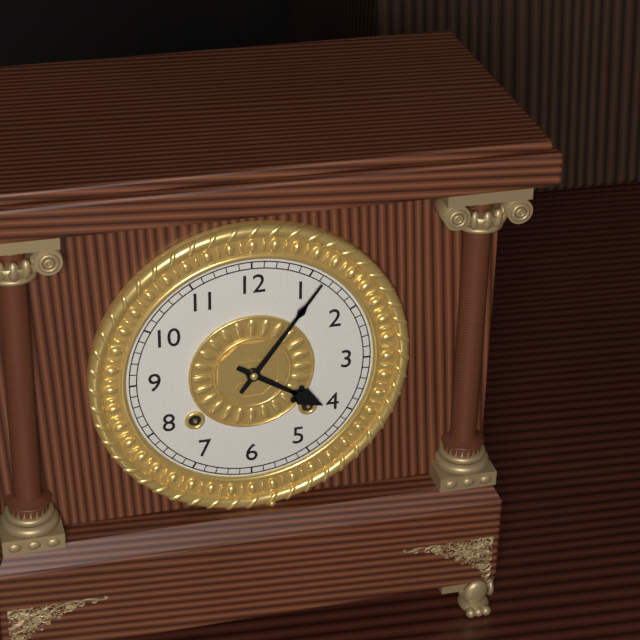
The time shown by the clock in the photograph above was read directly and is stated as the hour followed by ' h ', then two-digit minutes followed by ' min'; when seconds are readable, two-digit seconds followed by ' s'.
4 h 06 min
